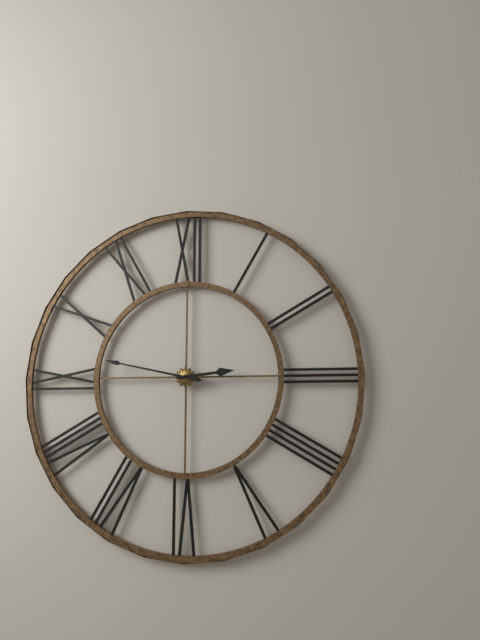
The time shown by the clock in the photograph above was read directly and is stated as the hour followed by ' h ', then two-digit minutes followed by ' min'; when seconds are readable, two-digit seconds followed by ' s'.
2 h 47 min
